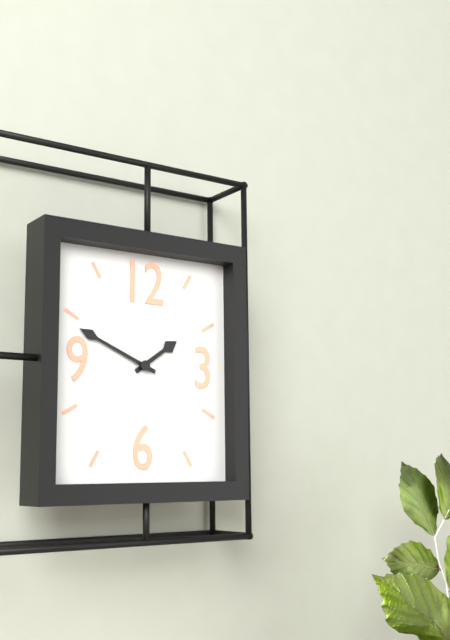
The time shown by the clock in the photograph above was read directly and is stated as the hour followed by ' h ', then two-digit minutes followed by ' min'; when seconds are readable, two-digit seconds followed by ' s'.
1 h 49 min
